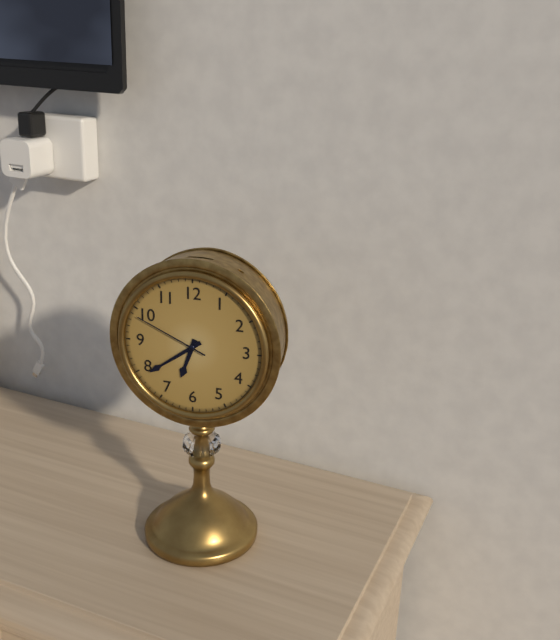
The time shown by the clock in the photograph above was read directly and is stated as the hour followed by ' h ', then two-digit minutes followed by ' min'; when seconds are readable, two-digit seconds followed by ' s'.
6 h 39 min 49 s
